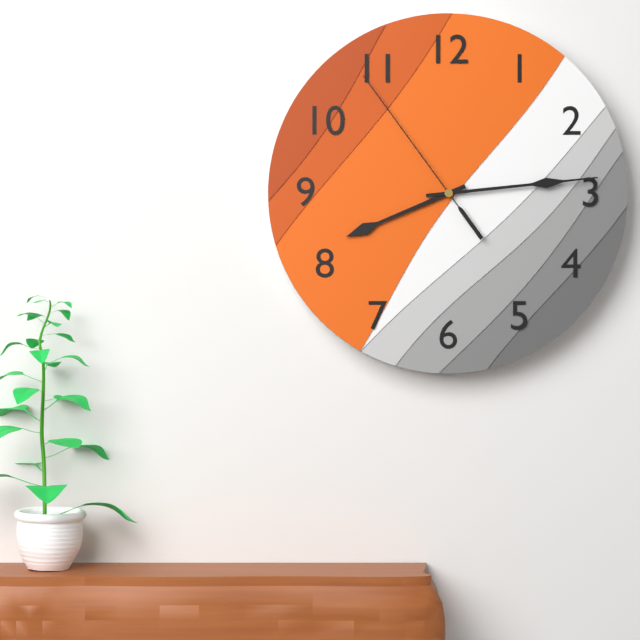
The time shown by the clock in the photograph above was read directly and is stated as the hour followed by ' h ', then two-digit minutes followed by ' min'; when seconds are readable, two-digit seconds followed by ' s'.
8 h 14 min 54 s
